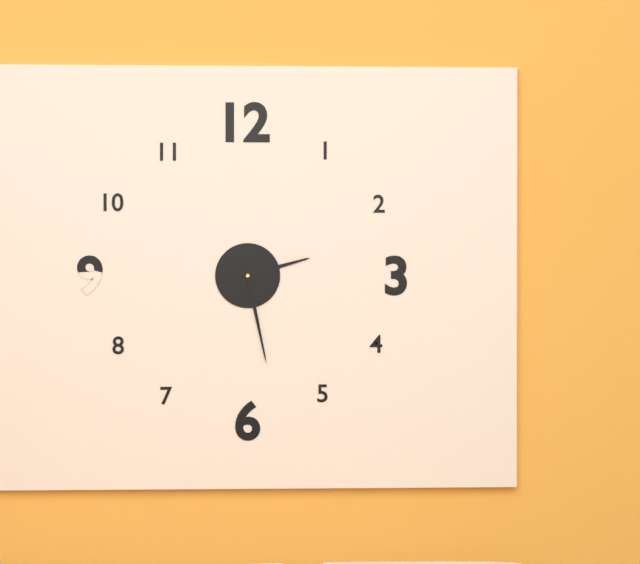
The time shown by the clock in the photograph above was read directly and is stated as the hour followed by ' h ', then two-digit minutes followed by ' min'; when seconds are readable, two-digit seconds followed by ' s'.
2 h 28 min
